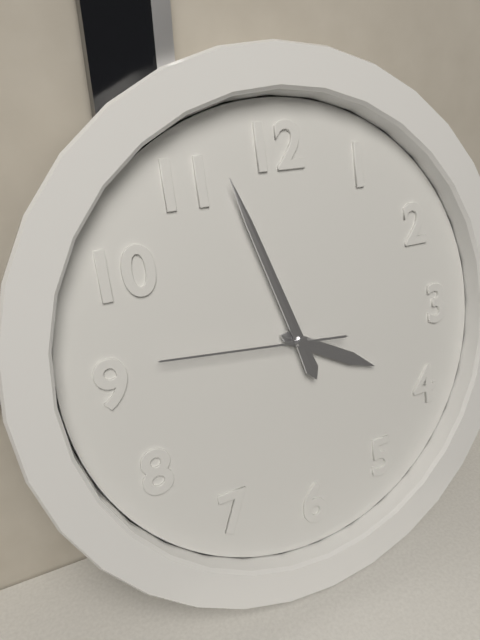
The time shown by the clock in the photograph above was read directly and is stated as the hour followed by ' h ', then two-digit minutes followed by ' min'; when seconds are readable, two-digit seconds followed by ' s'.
3 h 57 min 46 s
